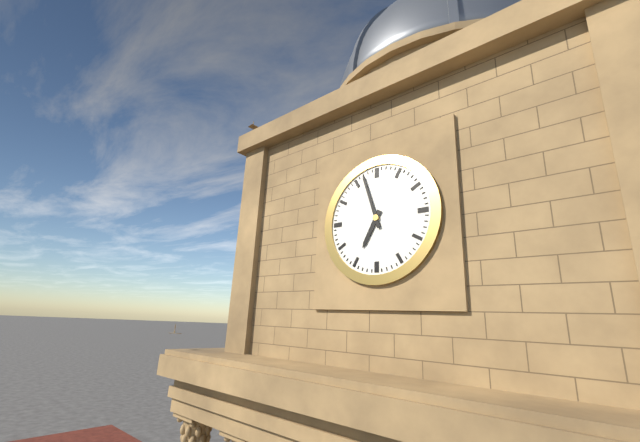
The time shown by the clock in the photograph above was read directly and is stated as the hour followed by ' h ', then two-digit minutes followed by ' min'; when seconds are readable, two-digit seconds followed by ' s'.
6 h 57 min
